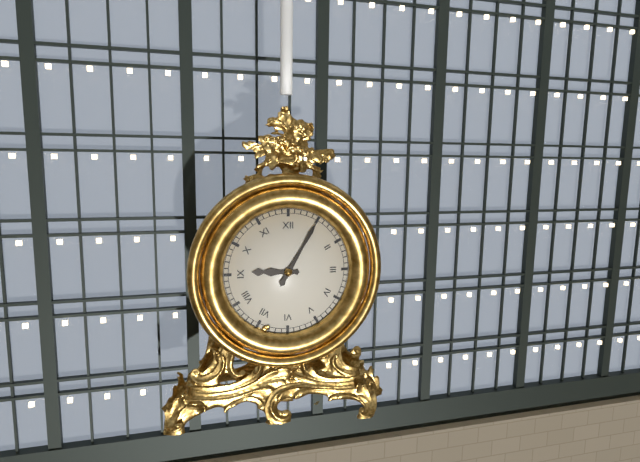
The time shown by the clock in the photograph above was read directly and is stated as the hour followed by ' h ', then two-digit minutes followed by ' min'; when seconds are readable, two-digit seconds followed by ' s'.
9 h 05 min
